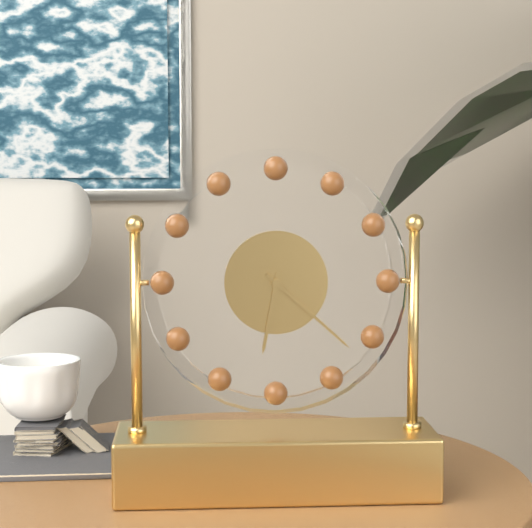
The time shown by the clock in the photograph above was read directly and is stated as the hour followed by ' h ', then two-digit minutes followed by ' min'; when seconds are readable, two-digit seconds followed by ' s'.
6 h 22 min
